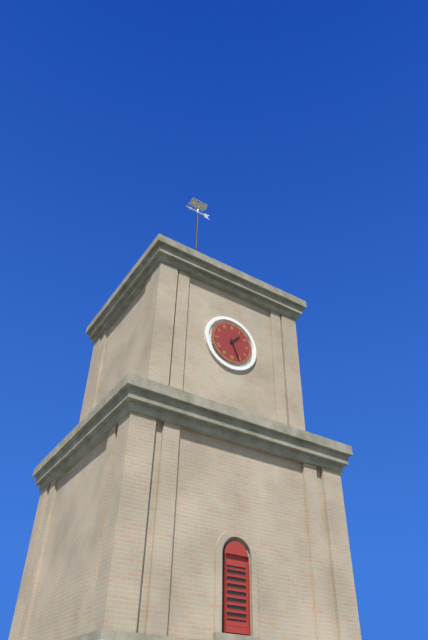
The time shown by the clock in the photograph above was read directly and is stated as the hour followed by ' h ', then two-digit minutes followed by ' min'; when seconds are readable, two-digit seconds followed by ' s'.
1 h 26 min
